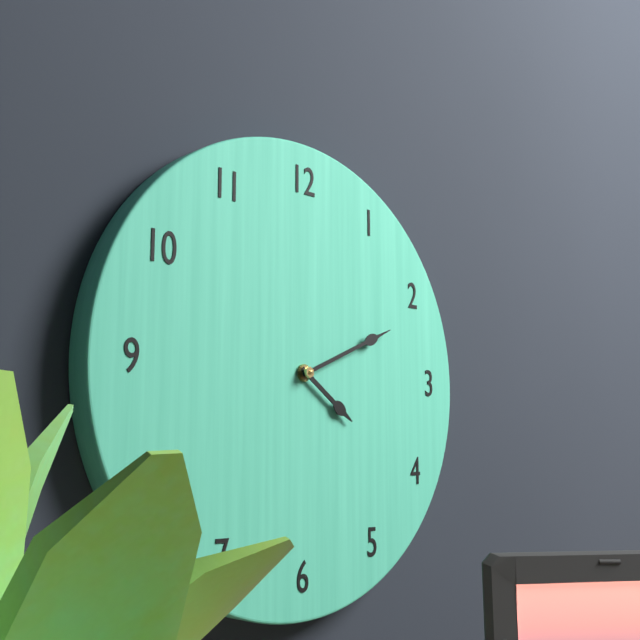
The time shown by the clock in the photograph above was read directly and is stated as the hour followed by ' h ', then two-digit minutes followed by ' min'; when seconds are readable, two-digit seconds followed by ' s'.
4 h 11 min
